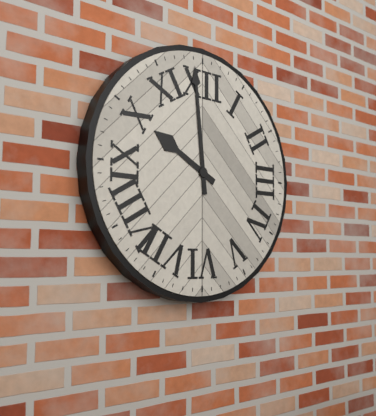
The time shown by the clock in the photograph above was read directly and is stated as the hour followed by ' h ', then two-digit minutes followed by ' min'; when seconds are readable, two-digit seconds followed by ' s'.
9 h 59 min
